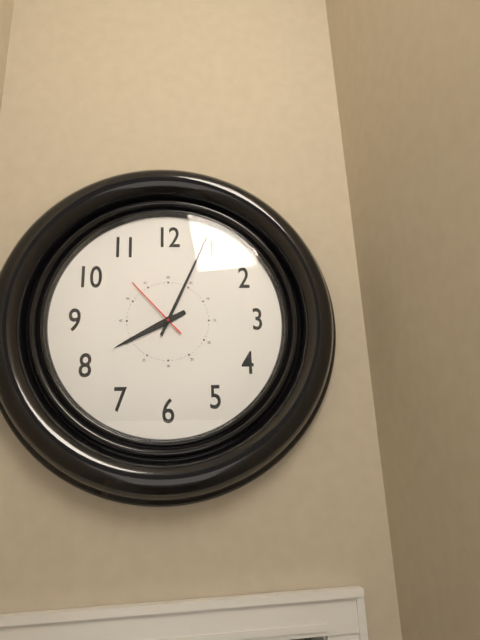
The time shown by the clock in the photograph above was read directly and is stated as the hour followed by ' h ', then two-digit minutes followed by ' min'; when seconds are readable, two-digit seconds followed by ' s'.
8 h 04 min 53 s
